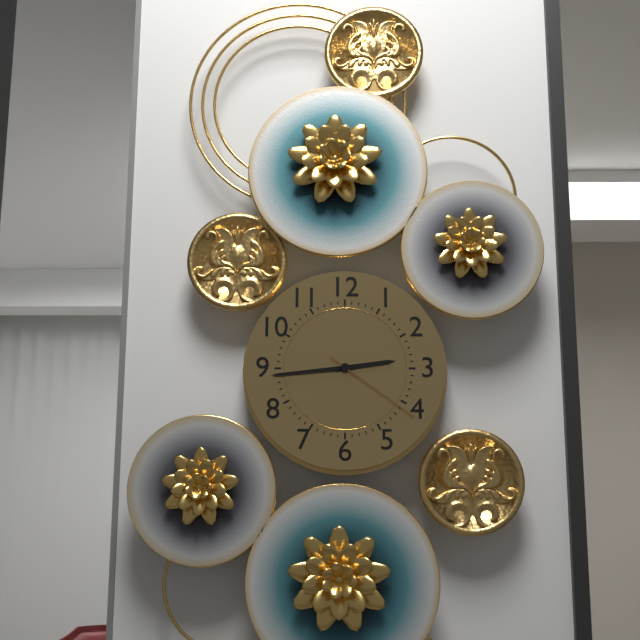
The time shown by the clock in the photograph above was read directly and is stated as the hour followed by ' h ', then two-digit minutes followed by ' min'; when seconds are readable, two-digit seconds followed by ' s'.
2 h 44 min 21 s
